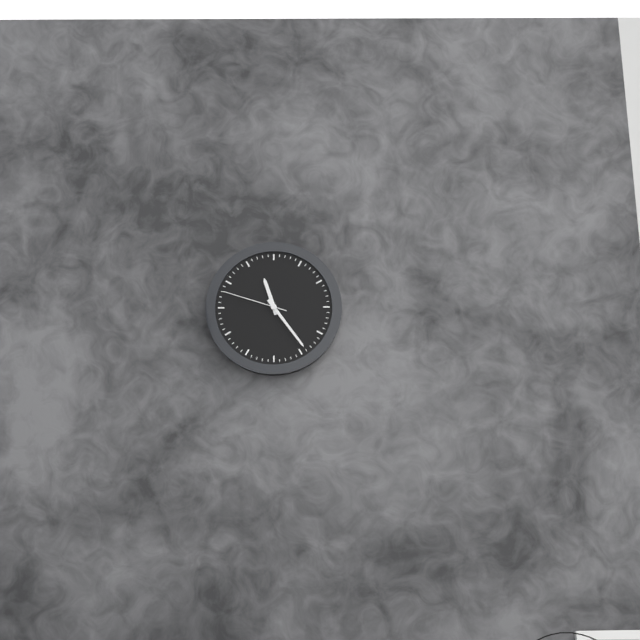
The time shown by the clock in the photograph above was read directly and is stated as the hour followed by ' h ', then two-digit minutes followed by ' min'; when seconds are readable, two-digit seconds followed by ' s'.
11 h 24 min 48 s
